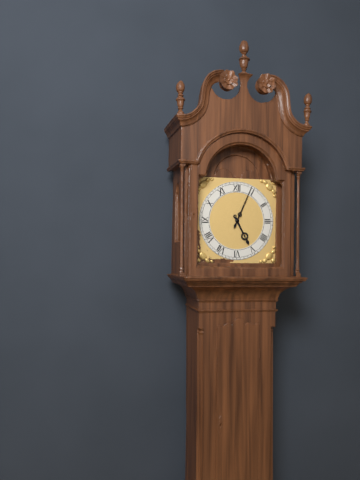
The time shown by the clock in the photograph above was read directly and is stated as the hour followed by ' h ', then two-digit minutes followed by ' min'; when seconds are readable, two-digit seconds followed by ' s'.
5 h 04 min
